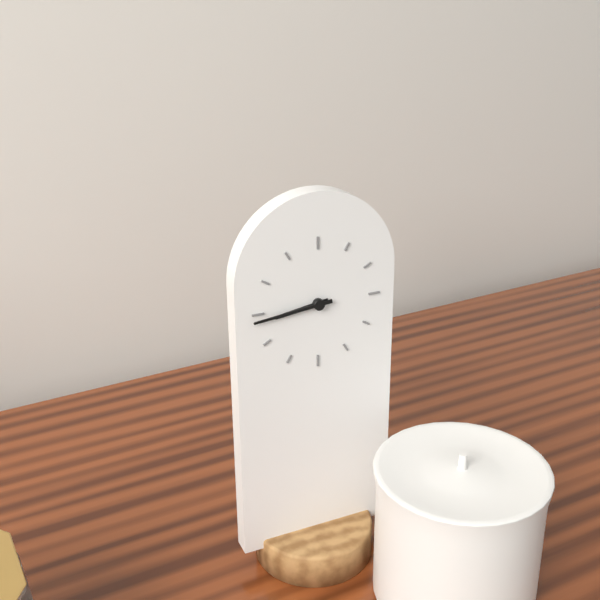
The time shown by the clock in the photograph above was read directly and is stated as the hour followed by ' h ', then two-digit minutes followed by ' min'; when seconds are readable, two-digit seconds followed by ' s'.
8 h 44 min
